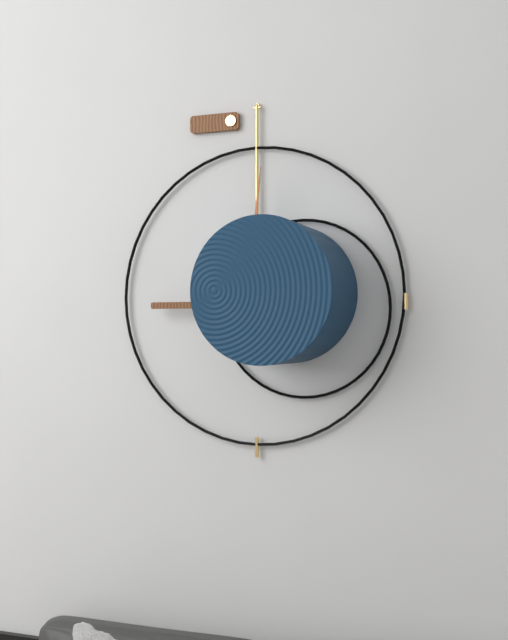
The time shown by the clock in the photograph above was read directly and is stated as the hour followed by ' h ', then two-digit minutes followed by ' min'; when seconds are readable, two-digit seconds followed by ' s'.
5 h 01 min
